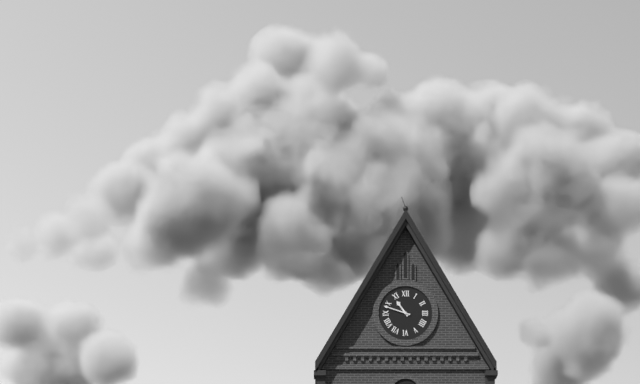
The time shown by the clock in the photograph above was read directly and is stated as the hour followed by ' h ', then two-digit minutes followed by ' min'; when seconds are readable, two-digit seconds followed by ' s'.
10 h 48 min
